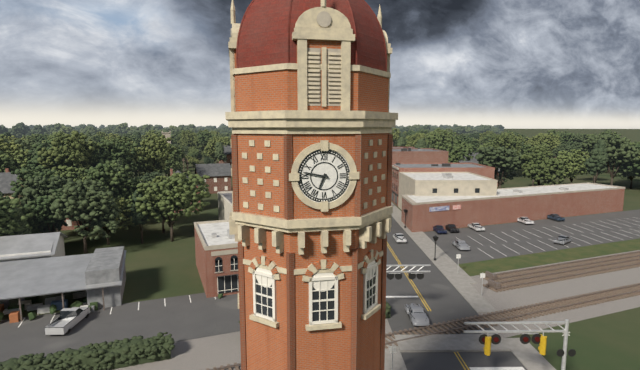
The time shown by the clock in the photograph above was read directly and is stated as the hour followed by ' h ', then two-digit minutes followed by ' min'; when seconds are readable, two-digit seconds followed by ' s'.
6 h 47 min
